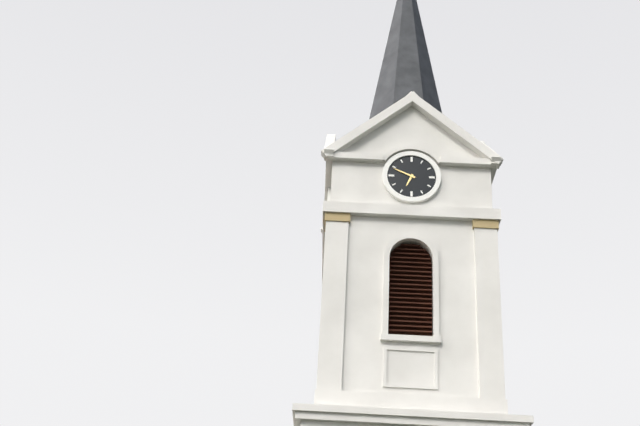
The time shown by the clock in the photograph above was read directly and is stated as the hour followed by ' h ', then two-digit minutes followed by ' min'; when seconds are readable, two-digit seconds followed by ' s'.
6 h 49 min
